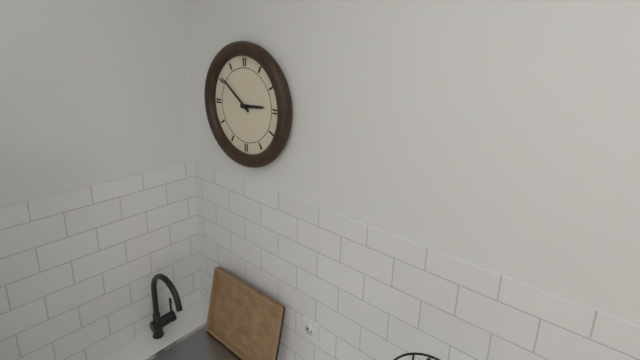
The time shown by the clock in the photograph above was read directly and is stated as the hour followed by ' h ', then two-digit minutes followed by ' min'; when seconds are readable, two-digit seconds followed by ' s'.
2 h 51 min
